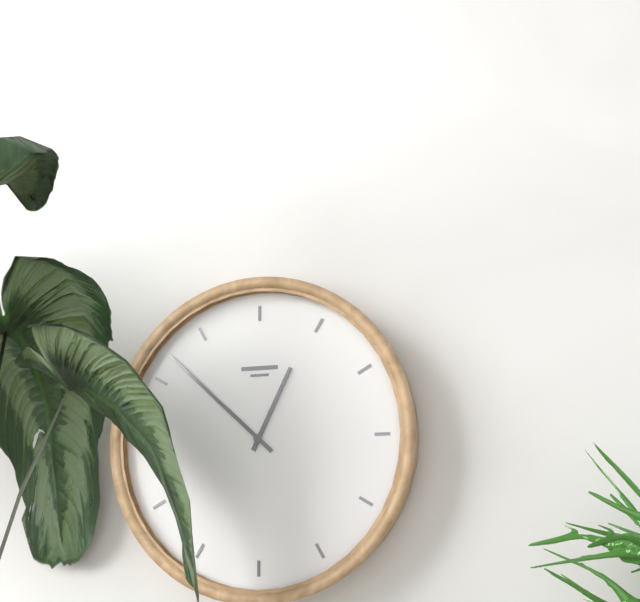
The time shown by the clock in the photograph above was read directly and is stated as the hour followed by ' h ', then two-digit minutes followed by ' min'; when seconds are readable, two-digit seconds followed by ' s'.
12 h 52 min
